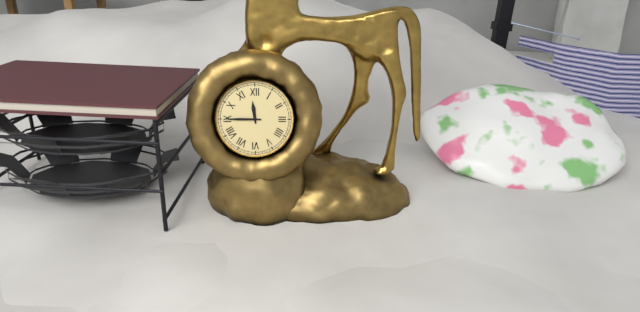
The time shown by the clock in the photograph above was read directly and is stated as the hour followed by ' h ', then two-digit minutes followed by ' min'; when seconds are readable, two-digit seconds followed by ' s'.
11 h 45 min
